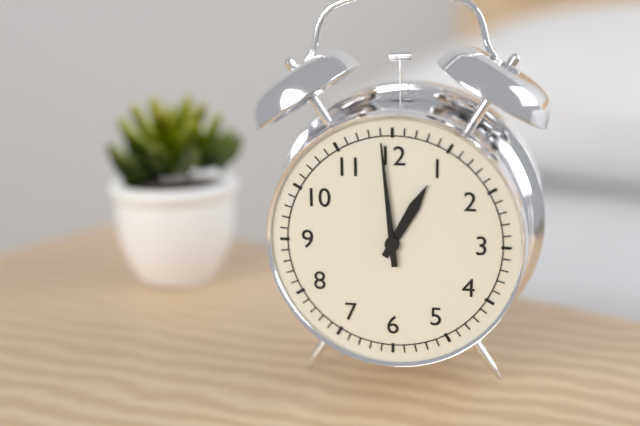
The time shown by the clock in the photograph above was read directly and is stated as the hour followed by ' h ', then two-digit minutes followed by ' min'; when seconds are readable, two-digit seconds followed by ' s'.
12 h 59 min
